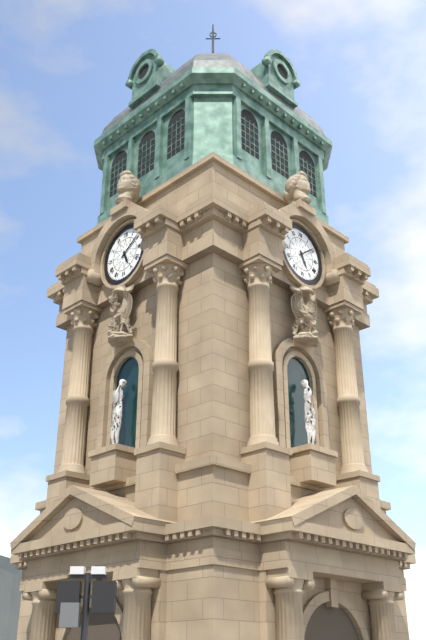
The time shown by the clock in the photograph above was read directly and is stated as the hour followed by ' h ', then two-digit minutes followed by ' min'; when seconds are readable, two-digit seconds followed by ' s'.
5 h 09 min
